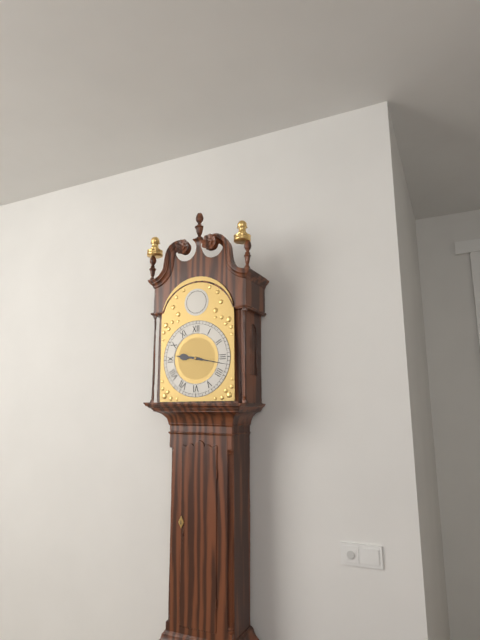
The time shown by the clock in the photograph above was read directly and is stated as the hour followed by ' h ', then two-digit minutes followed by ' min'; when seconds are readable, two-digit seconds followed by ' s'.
9 h 17 min
